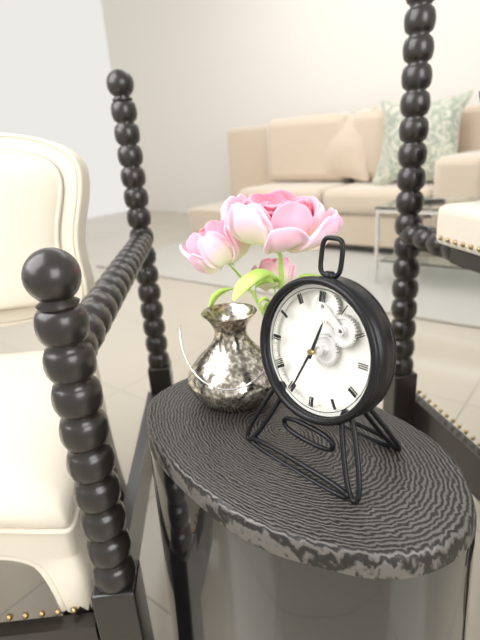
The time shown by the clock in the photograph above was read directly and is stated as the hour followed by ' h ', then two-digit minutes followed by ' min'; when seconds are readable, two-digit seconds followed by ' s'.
12 h 34 min
